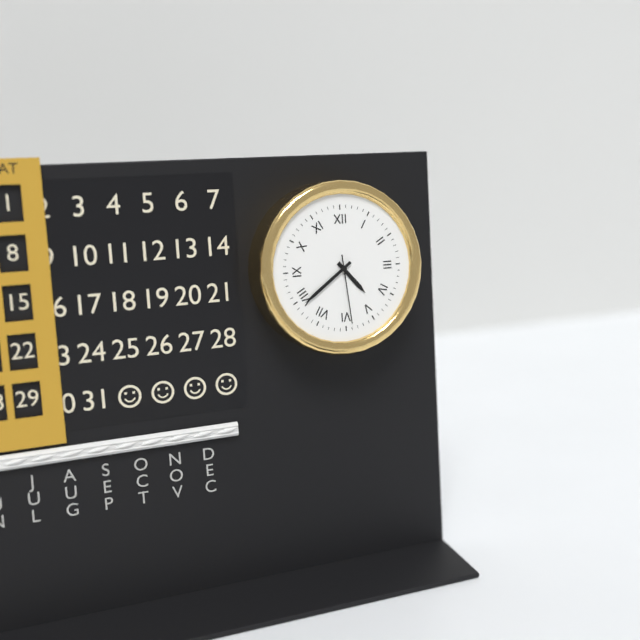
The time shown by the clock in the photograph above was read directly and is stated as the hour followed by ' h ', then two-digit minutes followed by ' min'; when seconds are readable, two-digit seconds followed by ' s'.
4 h 39 min 29 s
